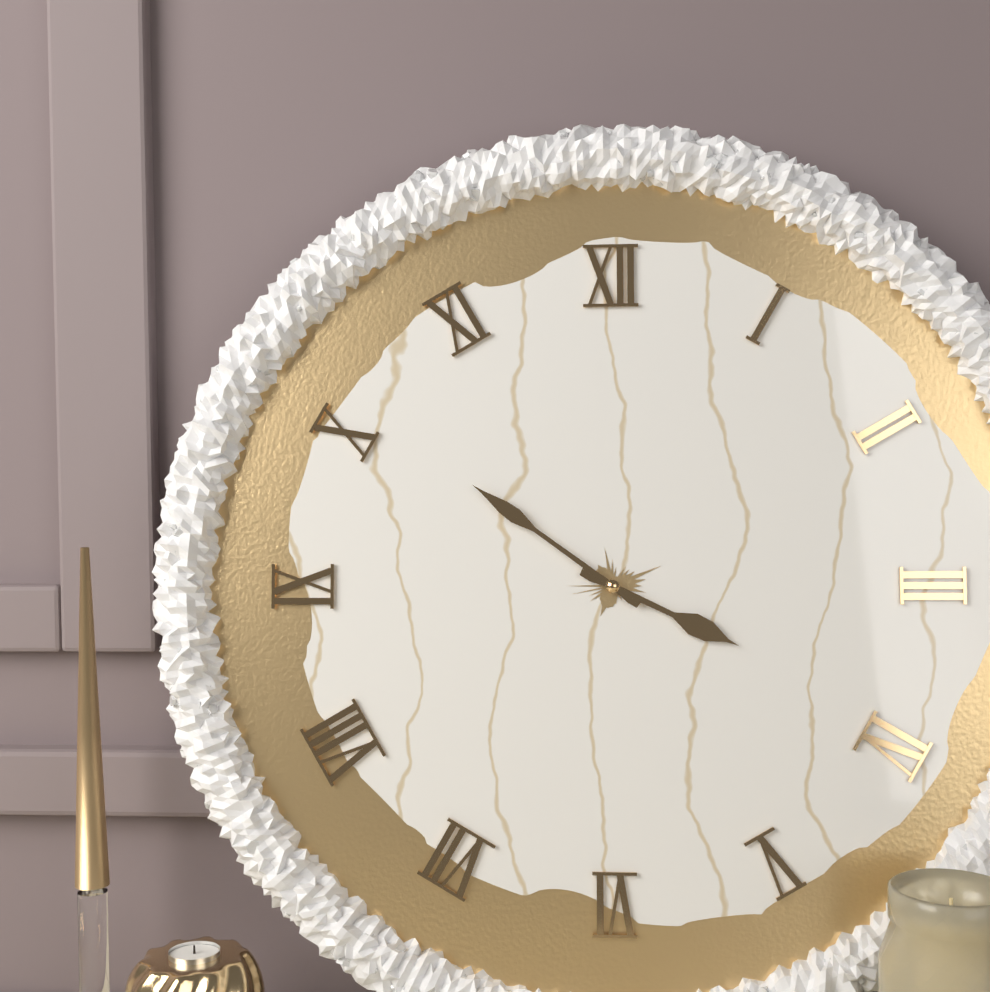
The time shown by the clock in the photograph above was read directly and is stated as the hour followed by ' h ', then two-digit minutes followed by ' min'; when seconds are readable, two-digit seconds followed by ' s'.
3 h 51 min
